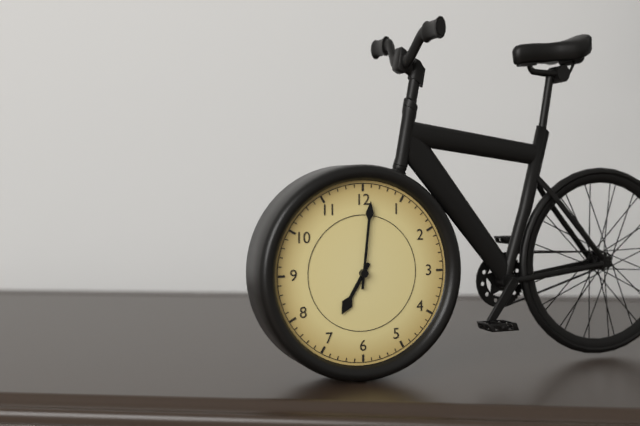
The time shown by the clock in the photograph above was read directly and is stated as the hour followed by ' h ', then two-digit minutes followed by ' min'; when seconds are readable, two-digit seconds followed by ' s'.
7 h 01 min
